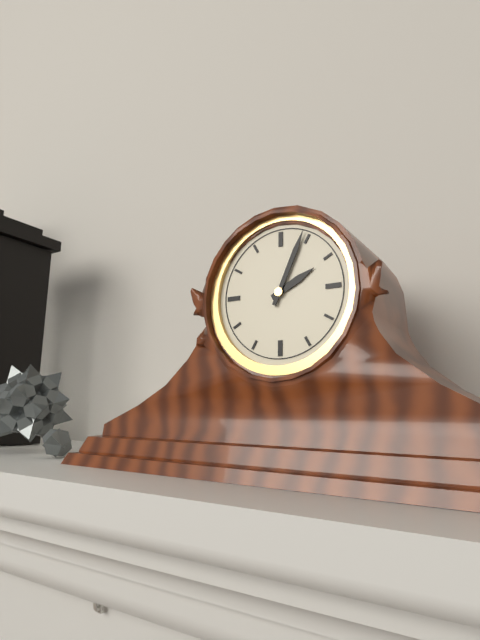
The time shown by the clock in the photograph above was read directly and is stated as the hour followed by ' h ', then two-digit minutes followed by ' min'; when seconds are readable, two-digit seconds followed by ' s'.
2 h 04 min
